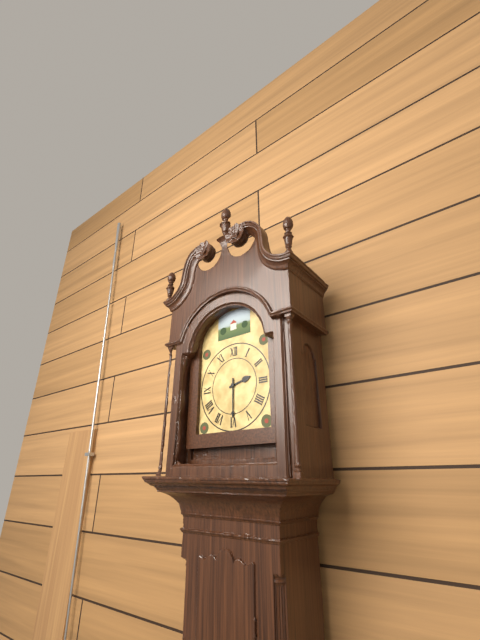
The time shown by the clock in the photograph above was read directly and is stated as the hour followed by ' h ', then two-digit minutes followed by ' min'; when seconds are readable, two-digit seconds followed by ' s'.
2 h 30 min
